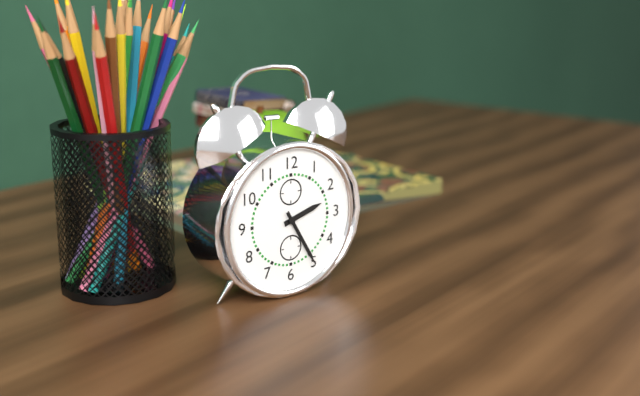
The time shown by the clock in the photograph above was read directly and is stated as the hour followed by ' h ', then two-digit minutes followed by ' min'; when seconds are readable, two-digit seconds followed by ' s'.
2 h 25 min
